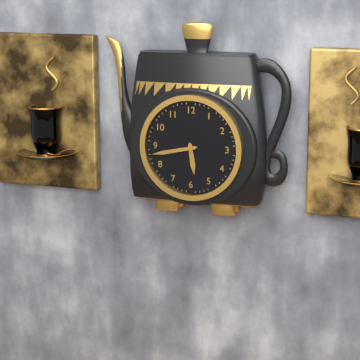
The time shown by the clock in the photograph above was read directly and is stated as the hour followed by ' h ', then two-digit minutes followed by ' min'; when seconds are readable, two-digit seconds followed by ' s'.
5 h 43 min
